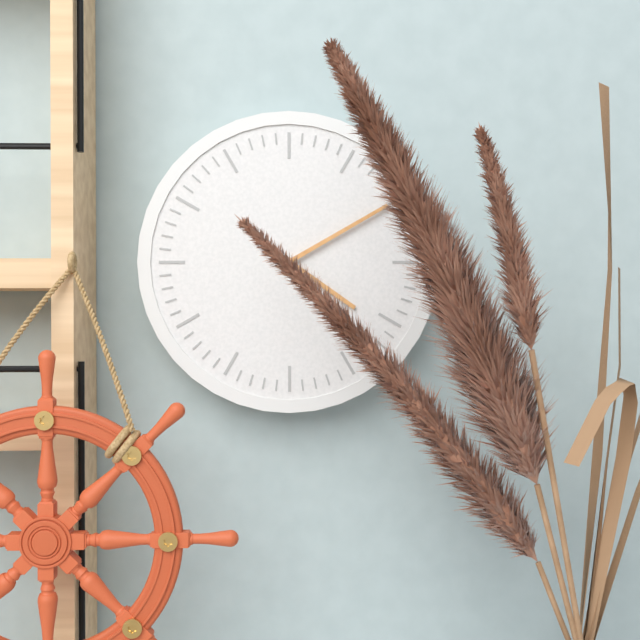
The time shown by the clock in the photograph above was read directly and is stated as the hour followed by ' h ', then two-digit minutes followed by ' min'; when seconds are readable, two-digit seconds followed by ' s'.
4 h 10 min
